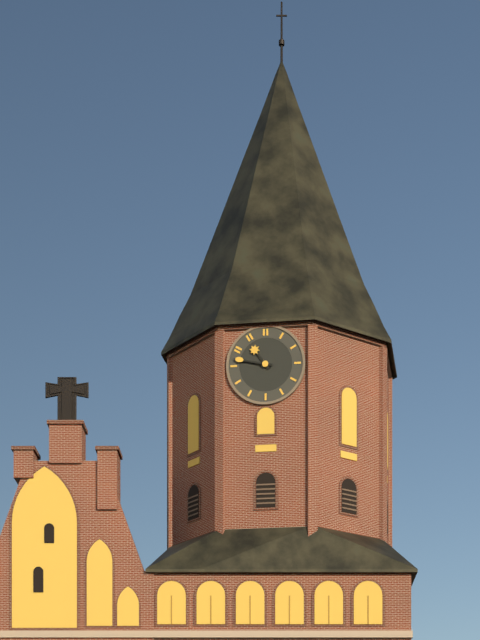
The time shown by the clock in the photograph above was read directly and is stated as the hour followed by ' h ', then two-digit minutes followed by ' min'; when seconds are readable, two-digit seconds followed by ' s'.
10 h 47 min
